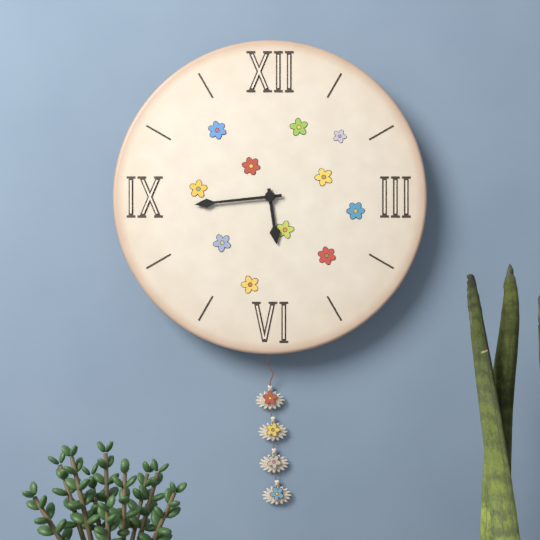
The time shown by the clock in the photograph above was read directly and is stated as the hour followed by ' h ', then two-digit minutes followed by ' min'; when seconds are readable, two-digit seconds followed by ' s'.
5 h 44 min
